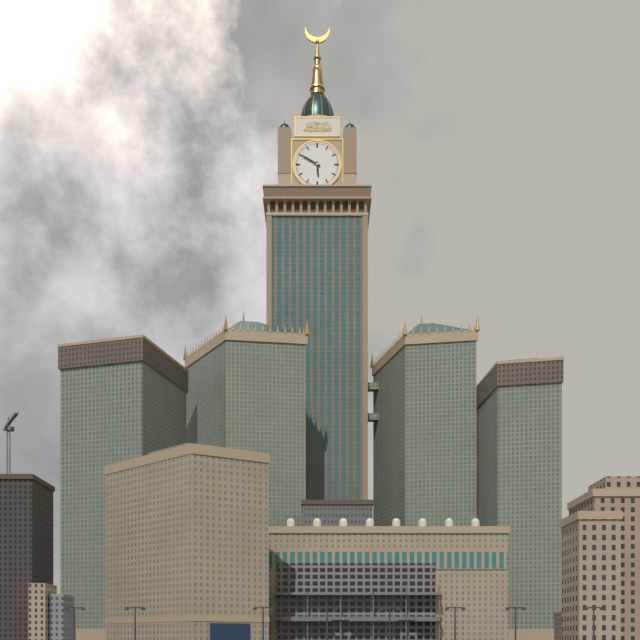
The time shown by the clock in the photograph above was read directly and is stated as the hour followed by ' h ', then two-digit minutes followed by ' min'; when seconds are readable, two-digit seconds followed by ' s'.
5 h 50 min
